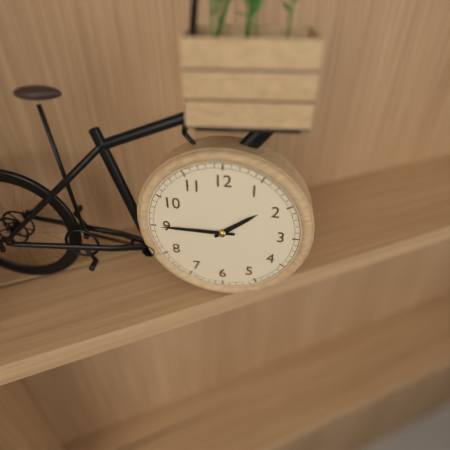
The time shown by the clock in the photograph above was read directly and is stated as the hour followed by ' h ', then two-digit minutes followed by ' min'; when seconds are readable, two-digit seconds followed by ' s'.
1 h 45 min
